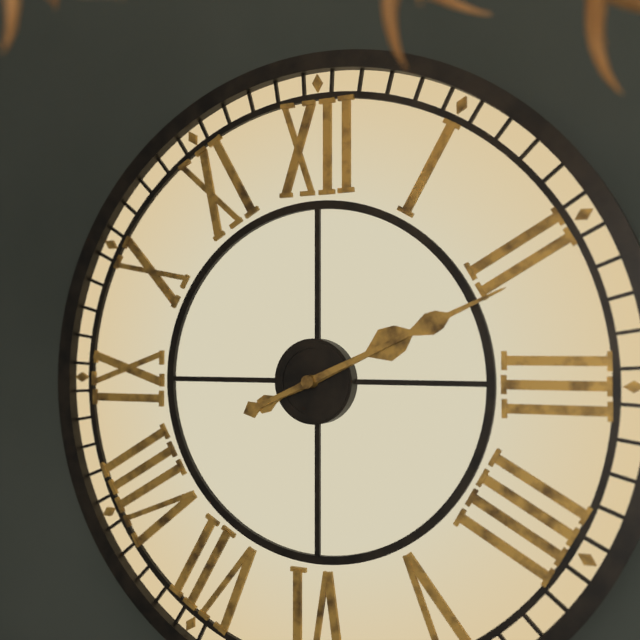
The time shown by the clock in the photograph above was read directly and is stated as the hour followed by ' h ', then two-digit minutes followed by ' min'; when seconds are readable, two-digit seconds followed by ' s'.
2 h 11 min
